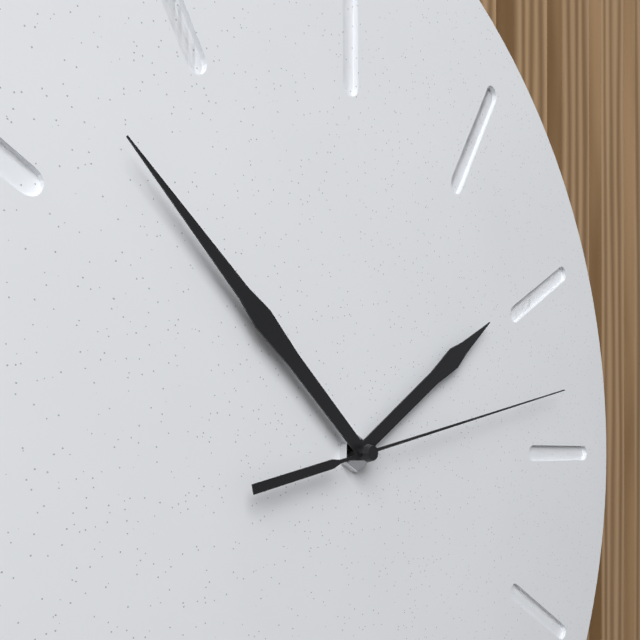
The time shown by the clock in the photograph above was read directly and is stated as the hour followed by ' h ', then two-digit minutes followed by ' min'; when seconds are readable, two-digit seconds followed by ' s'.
1 h 52 min 13 s
